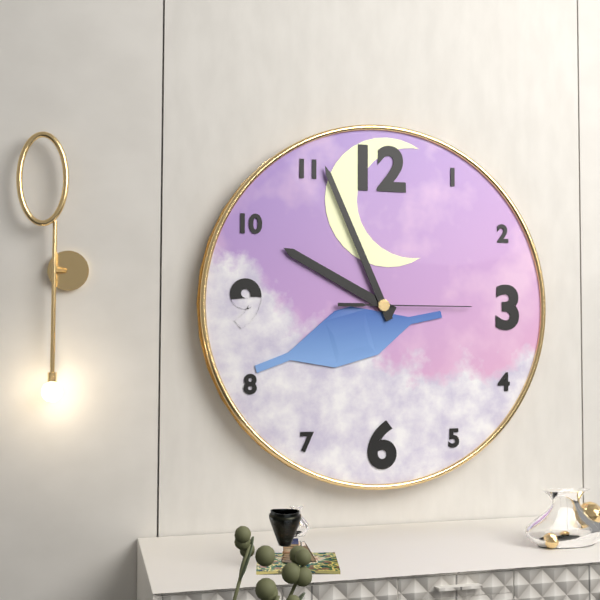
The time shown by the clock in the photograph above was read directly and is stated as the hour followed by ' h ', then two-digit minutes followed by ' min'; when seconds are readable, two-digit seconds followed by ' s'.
9 h 56 min 15 s
